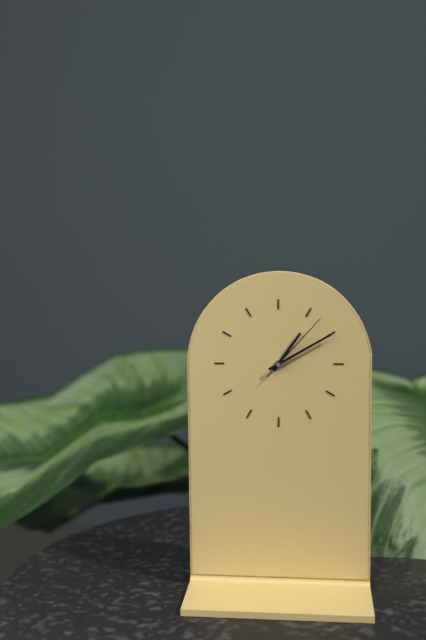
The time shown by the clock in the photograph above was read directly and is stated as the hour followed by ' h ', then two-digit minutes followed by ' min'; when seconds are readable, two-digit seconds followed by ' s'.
1 h 10 min 07 s
